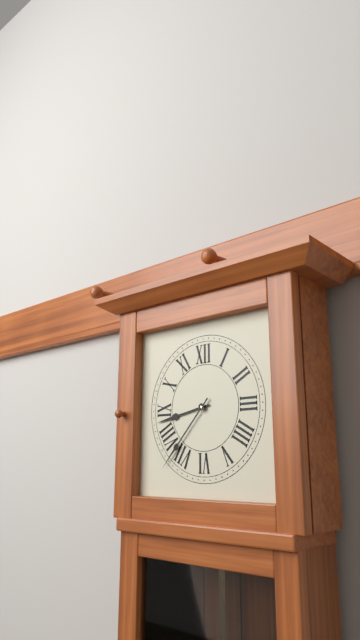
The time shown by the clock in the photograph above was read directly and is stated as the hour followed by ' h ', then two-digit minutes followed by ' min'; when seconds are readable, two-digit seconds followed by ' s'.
8 h 37 min
